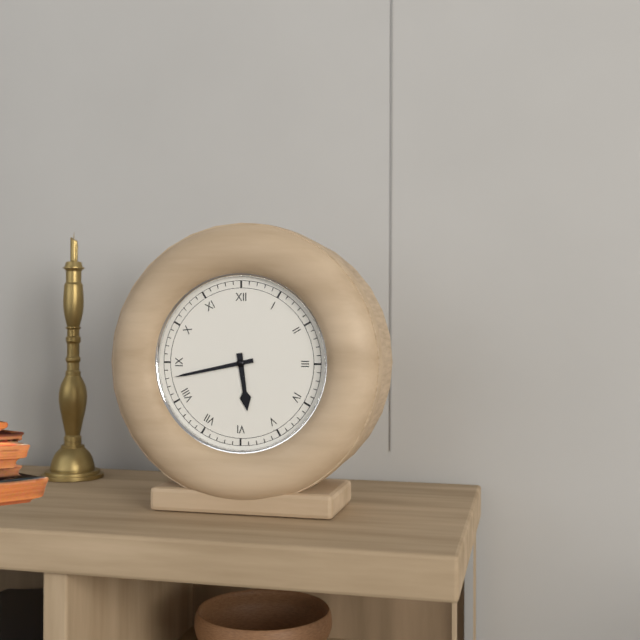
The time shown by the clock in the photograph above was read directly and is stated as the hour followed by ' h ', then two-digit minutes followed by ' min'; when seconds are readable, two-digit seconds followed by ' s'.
5 h 43 min
